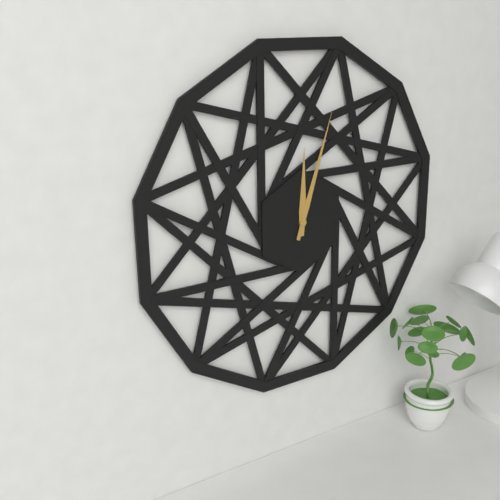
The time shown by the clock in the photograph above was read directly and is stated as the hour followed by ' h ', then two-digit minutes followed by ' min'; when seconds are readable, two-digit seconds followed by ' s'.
12 h 03 min
